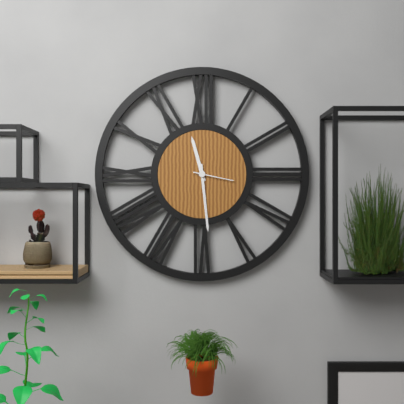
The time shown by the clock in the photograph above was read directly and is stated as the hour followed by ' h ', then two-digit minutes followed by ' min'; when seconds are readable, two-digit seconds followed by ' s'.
11 h 29 min
